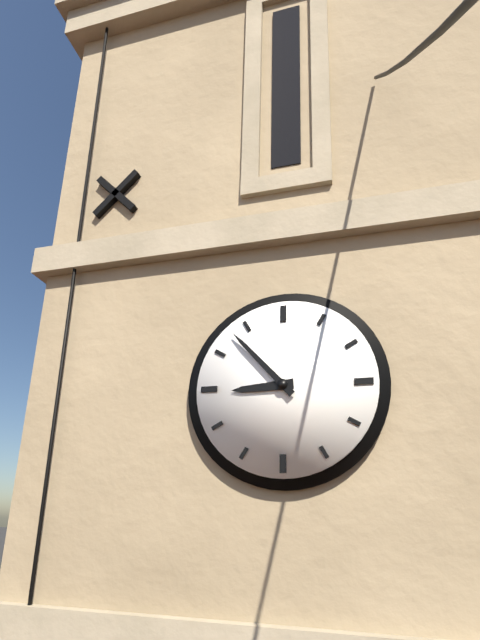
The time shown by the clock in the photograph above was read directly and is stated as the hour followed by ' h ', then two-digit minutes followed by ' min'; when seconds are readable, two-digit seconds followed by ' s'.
8 h 53 min
